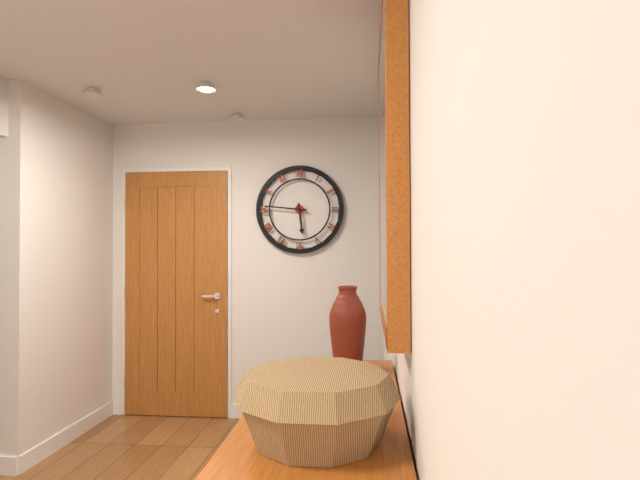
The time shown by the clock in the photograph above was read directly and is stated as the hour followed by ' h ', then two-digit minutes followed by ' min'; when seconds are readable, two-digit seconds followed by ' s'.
5 h 46 min
